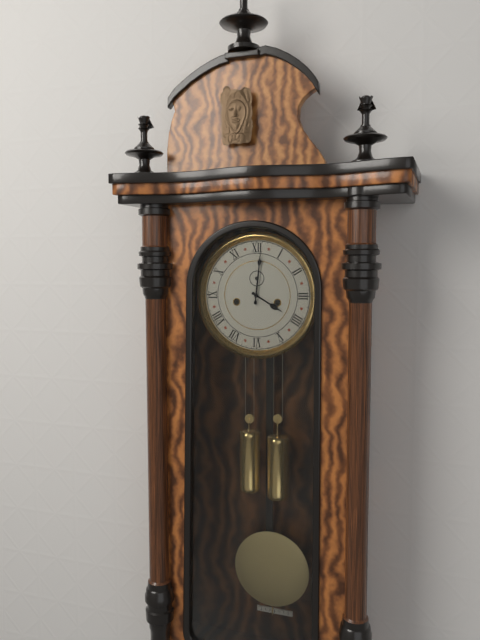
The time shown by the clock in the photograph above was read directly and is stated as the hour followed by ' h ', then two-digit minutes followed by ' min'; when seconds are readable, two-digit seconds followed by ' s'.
4 h 01 min
